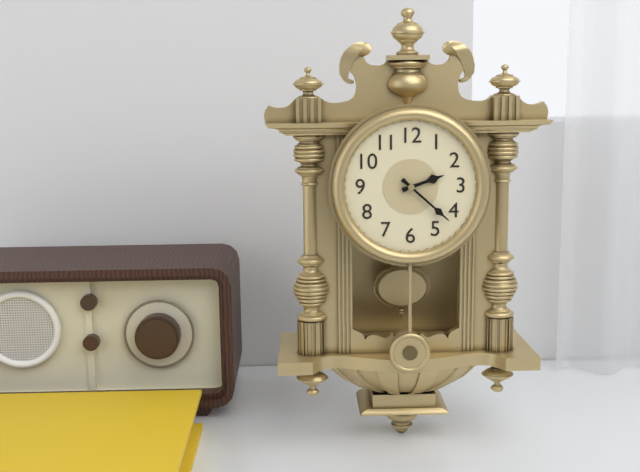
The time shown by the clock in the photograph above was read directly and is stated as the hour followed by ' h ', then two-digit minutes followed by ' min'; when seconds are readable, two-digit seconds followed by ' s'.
2 h 22 min
